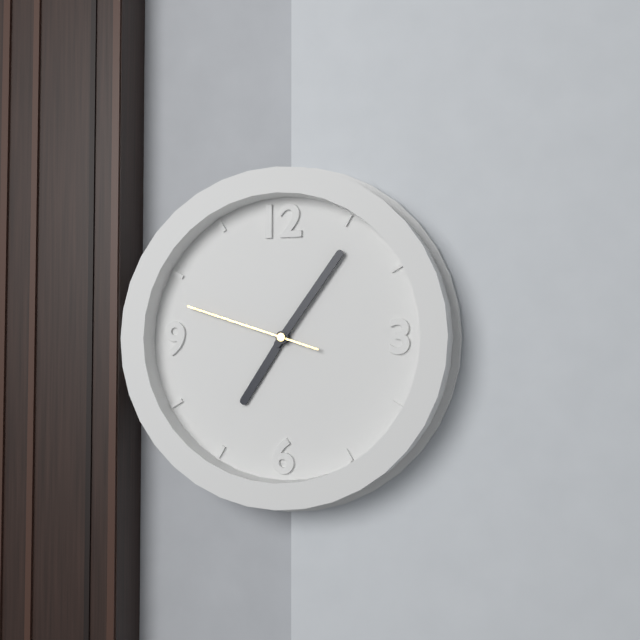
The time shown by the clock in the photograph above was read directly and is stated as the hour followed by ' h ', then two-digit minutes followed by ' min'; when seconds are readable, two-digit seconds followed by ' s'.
7 h 06 min 48 s
